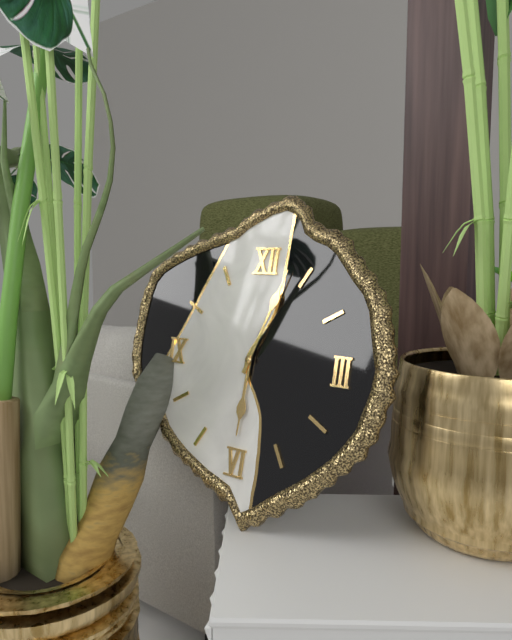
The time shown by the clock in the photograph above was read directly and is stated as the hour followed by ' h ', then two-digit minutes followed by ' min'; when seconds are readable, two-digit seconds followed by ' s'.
6 h 03 min
